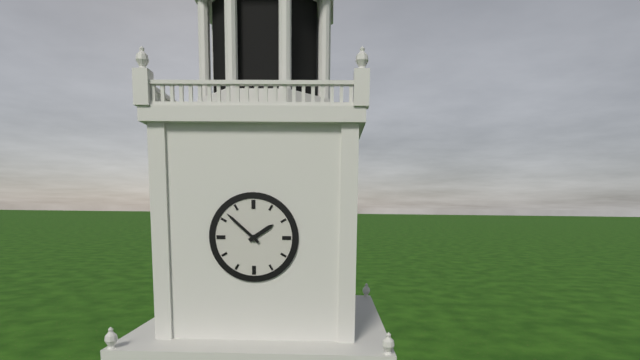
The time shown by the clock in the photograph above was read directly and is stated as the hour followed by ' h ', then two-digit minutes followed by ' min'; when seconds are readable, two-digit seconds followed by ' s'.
1 h 52 min
